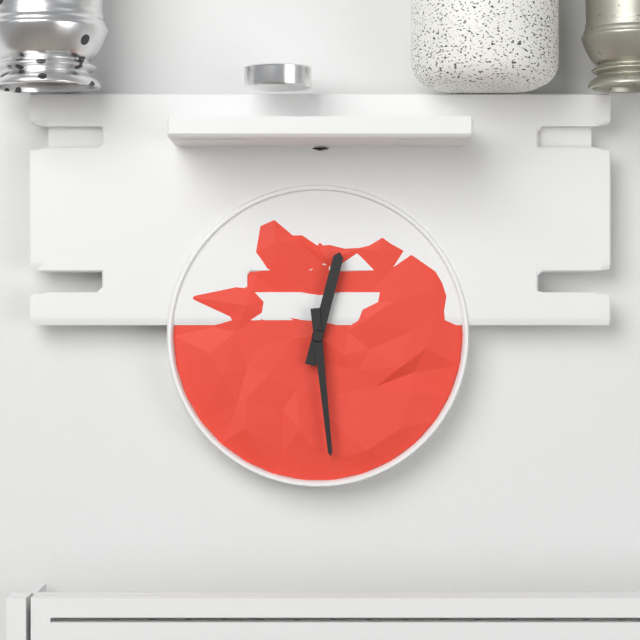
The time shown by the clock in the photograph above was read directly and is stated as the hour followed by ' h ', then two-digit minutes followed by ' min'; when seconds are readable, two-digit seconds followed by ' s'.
12 h 29 min
